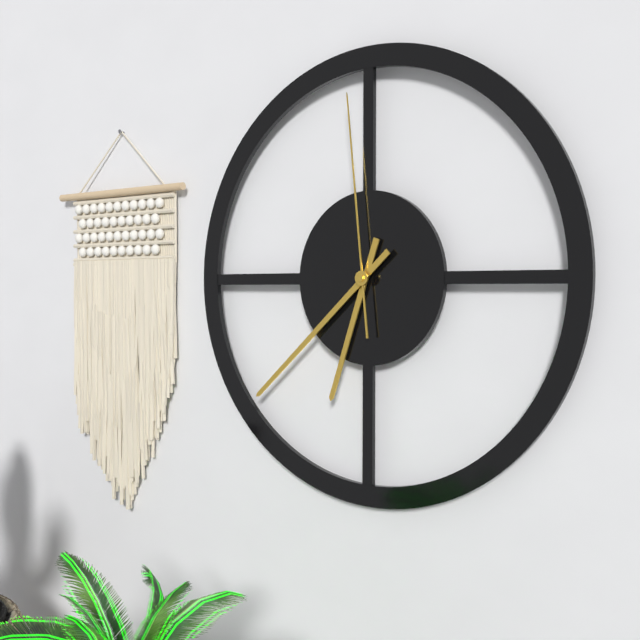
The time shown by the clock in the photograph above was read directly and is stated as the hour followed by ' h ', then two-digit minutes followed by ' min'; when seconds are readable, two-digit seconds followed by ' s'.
6 h 38 min 59 s
